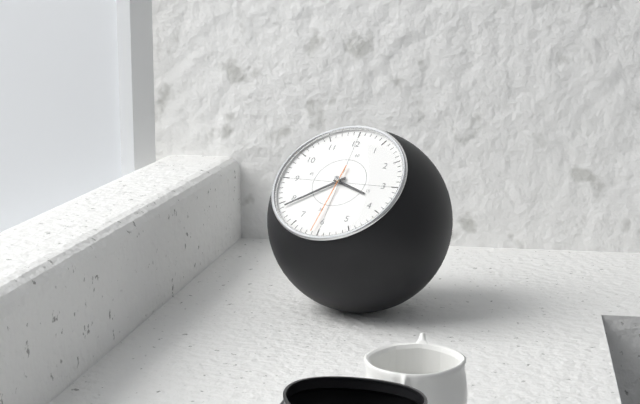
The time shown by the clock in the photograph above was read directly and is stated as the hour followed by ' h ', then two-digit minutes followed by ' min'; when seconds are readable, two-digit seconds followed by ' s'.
3 h 39 min 31 s
